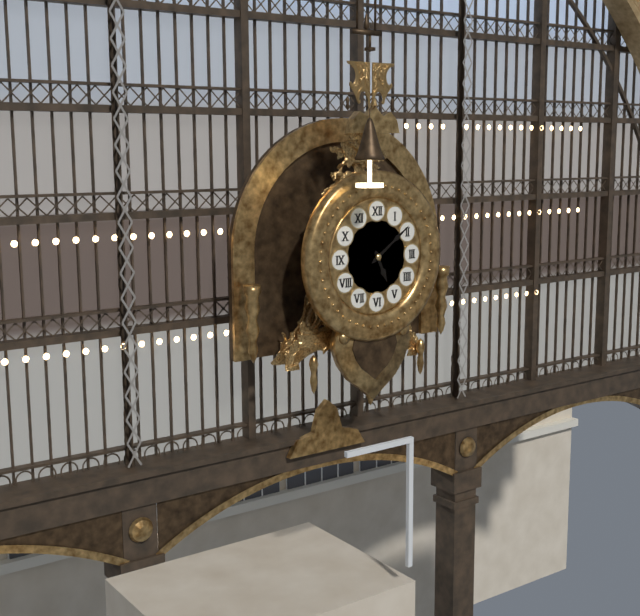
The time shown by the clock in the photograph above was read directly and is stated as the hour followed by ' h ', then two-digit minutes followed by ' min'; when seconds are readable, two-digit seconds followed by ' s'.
5 h 09 min
